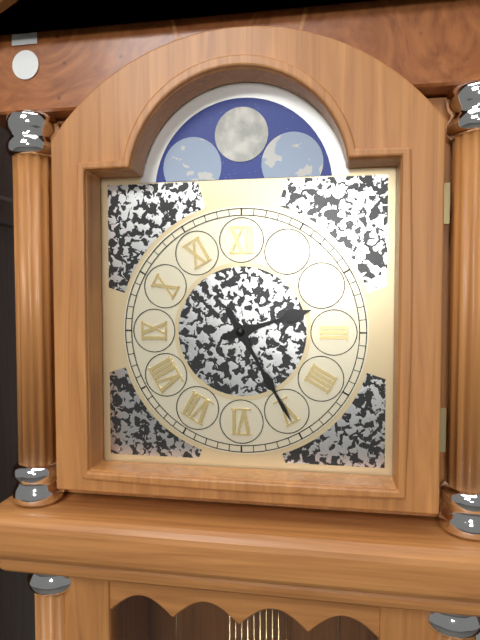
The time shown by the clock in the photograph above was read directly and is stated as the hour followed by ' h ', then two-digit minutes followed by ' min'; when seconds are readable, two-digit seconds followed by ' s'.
2 h 25 min
